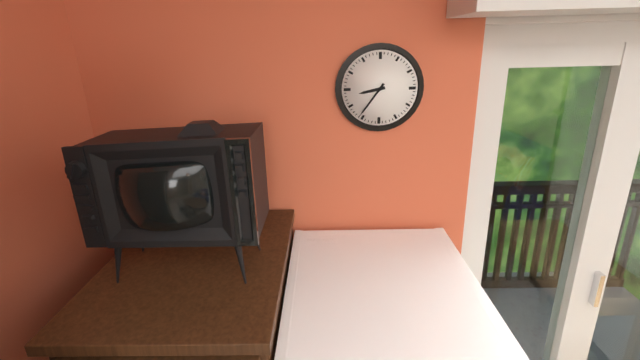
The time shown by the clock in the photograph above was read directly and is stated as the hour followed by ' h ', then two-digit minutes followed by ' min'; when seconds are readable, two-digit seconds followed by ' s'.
8 h 36 min
